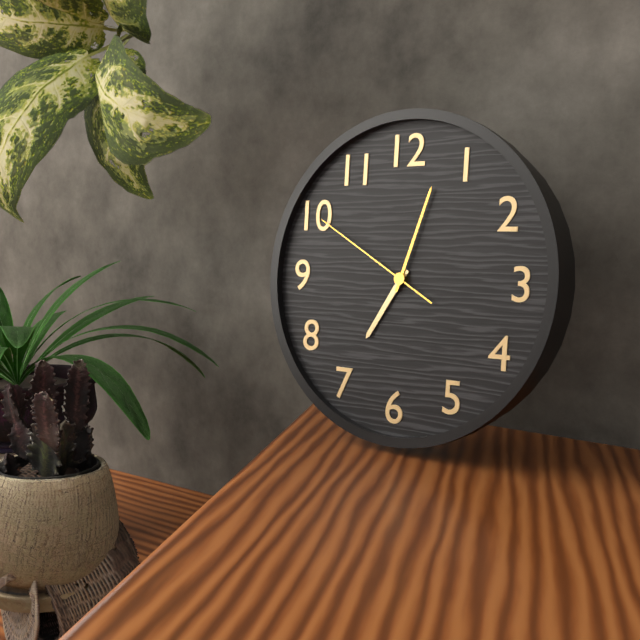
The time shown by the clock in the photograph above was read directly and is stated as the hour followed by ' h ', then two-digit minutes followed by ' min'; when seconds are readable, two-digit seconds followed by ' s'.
7 h 03 min 50 s
